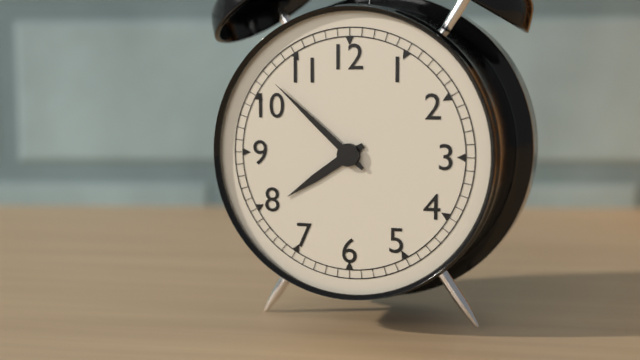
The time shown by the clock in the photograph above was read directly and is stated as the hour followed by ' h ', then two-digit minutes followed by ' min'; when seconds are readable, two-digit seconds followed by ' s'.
7 h 52 min
